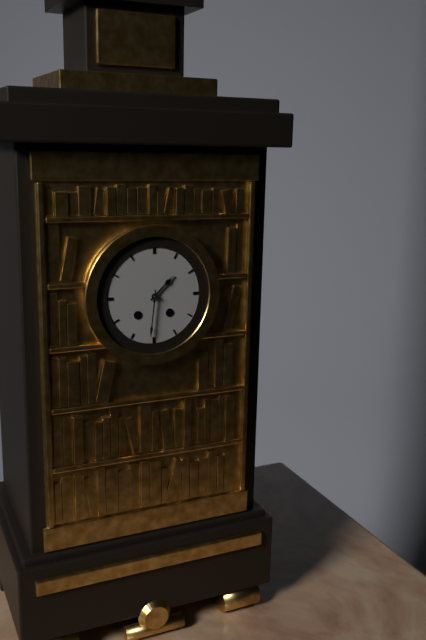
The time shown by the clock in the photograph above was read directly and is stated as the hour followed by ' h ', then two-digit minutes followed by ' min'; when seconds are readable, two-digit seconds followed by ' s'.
1 h 31 min
